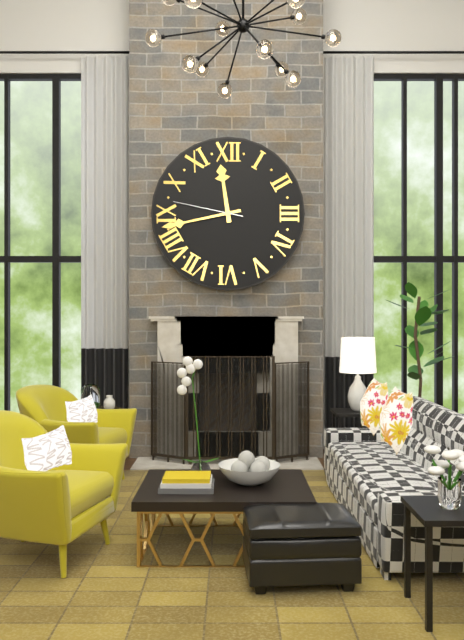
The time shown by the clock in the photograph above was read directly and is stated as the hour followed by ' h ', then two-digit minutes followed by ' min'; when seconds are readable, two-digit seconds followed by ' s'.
11 h 43 min 47 s
